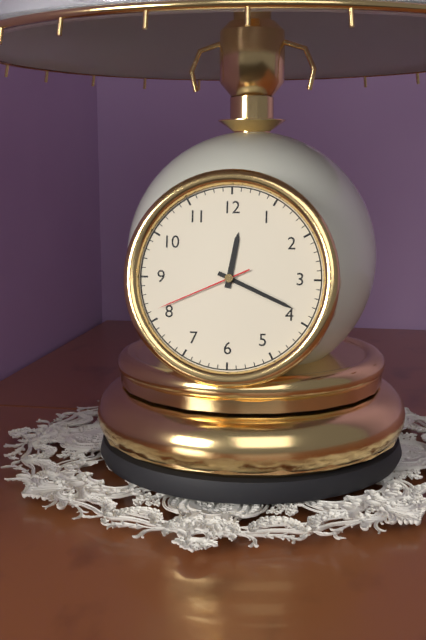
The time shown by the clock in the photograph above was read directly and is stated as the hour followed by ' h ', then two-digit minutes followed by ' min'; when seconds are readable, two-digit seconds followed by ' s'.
12 h 19 min 41 s
